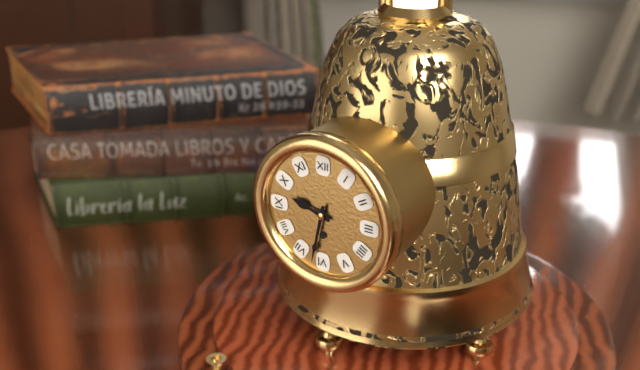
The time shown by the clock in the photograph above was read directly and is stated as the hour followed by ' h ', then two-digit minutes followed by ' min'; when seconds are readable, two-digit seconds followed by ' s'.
9 h 32 min
